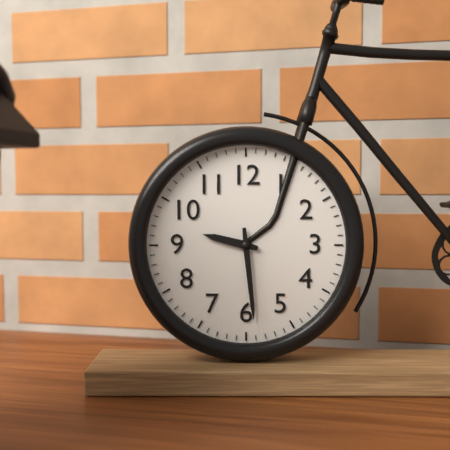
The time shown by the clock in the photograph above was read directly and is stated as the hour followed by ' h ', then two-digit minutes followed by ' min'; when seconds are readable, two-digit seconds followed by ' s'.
9 h 29 min
